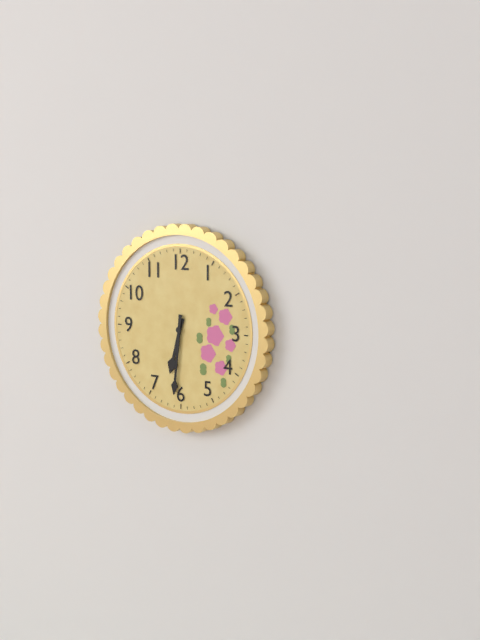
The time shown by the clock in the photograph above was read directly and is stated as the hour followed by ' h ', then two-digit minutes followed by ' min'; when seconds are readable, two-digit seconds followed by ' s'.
6 h 31 min
